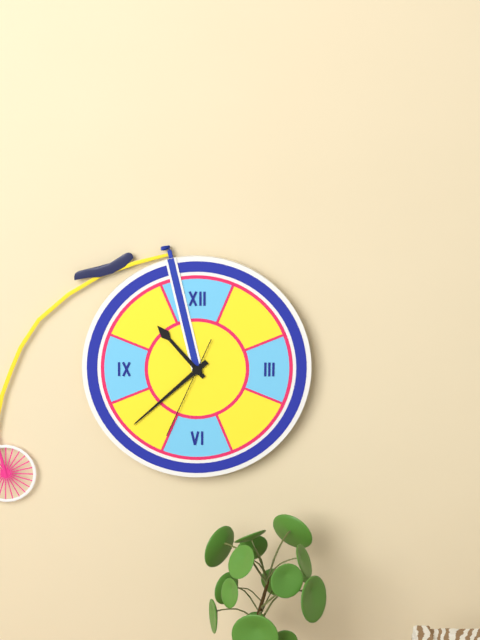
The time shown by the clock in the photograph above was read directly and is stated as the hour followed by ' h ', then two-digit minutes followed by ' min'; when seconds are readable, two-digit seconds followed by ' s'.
10 h 38 min 34 s
